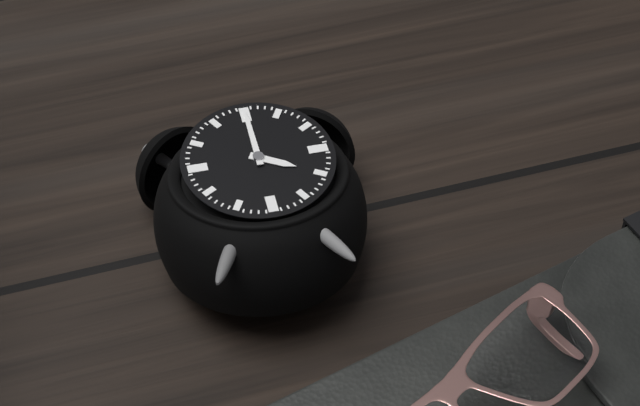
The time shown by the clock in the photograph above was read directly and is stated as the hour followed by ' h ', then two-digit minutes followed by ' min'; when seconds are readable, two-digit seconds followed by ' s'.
4 h 00 min
